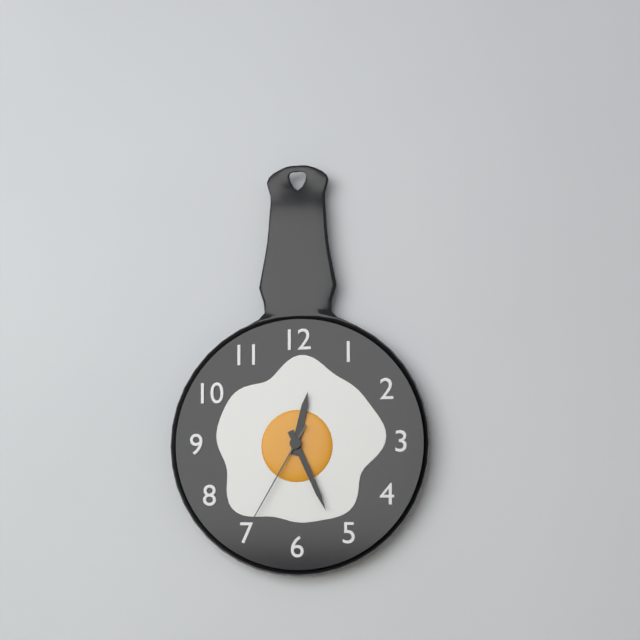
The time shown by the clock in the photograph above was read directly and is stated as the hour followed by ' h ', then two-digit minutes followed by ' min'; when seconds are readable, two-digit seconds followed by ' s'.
12 h 26 min 35 s
